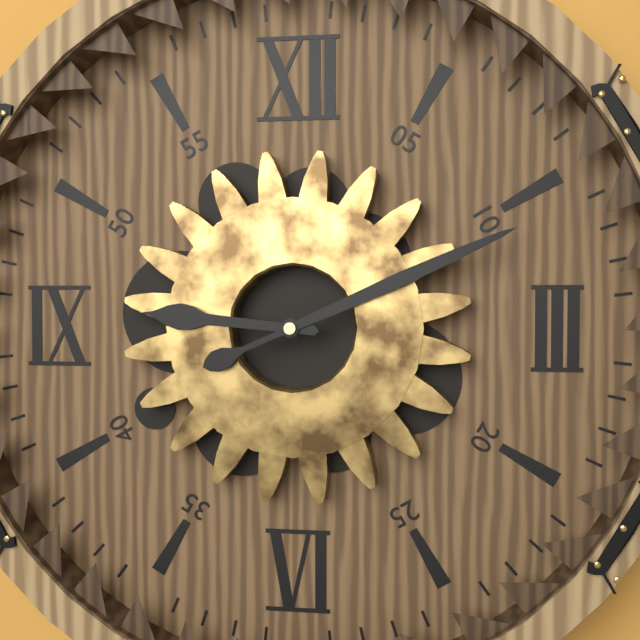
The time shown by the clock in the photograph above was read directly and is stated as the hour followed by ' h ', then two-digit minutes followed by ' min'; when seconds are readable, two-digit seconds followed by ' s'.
9 h 11 min
